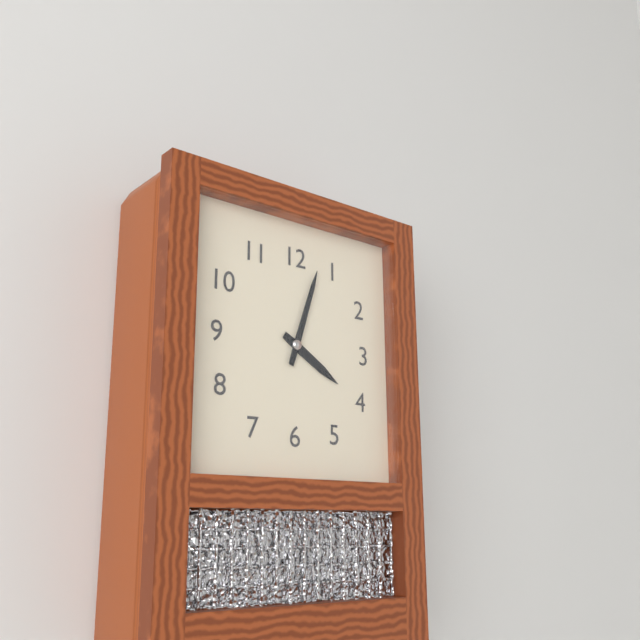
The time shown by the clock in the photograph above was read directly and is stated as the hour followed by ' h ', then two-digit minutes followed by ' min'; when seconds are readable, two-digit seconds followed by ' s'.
4 h 03 min
